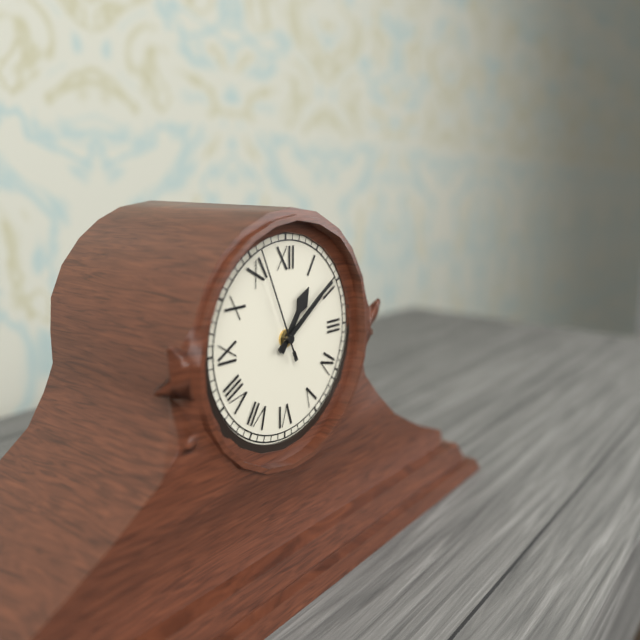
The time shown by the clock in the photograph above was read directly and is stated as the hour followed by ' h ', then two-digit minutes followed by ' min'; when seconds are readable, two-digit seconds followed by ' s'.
1 h 09 min 56 s
